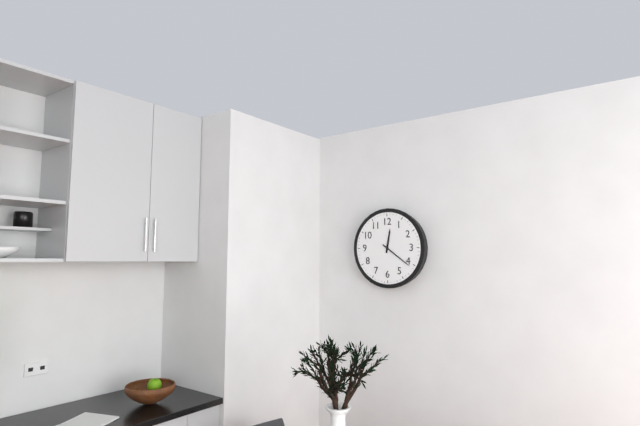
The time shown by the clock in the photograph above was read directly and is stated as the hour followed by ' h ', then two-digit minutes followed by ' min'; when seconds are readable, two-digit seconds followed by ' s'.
12 h 21 min
